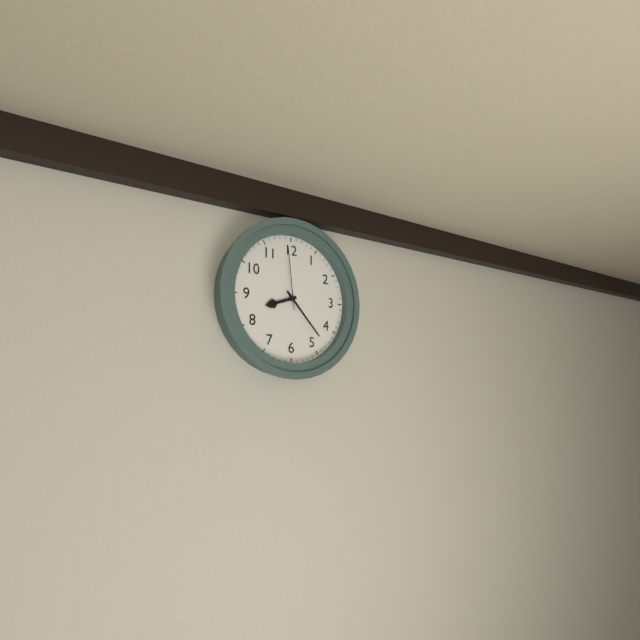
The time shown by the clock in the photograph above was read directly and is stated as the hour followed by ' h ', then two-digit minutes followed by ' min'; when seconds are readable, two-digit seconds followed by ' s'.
8 h 23 min 59 s
